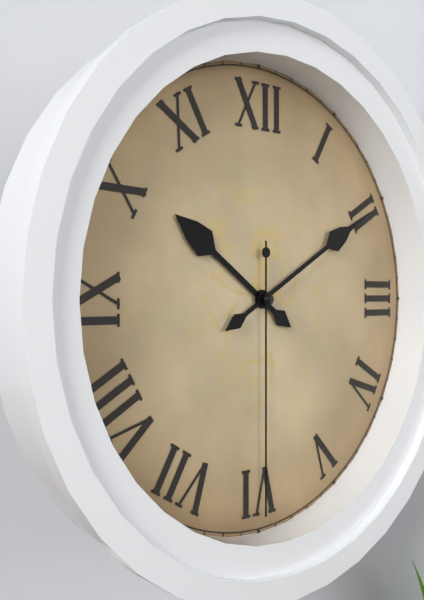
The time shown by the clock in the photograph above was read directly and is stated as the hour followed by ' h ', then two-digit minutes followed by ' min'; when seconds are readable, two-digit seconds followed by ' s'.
10 h 10 min 30 s
